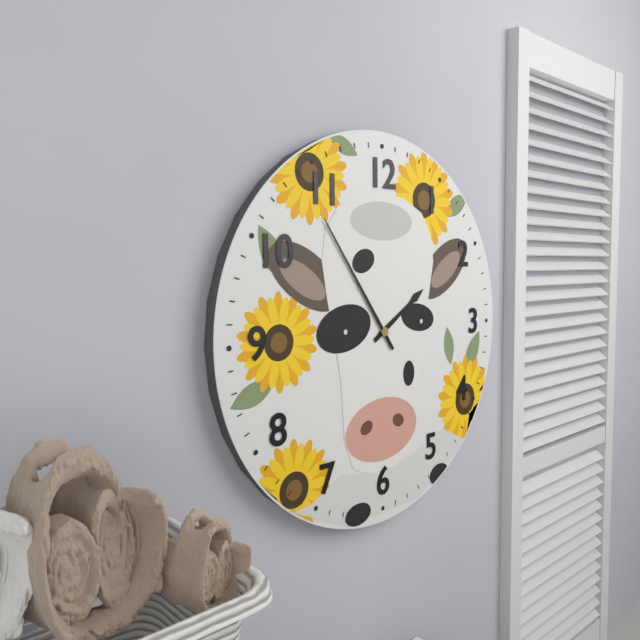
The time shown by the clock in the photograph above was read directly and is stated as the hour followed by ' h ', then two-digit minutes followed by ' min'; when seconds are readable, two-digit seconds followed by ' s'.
1 h 54 min
